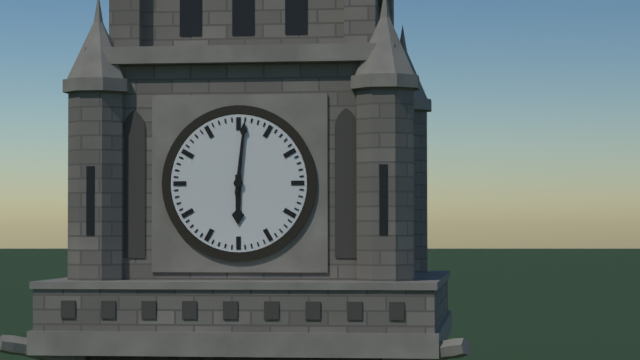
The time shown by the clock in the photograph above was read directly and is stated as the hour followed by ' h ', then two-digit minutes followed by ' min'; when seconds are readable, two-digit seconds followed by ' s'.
6 h 01 min
